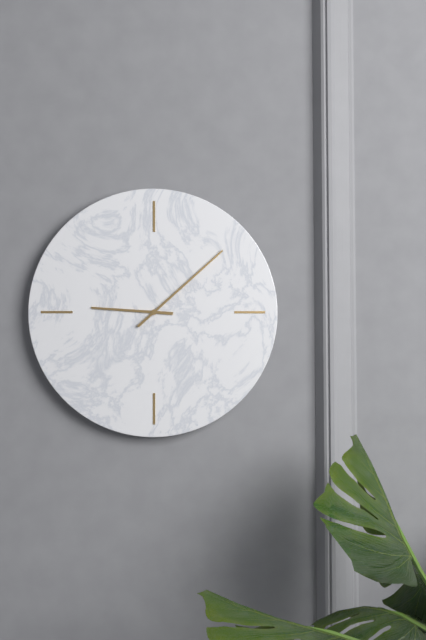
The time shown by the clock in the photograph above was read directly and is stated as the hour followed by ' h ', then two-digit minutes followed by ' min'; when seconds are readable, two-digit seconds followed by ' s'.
9 h 08 min
